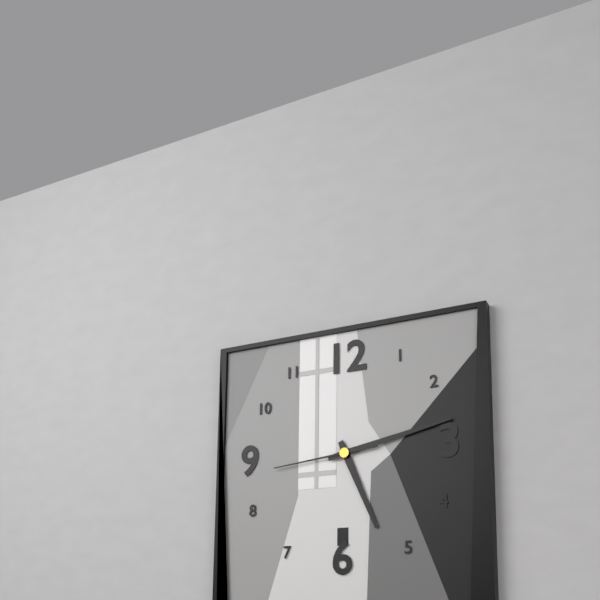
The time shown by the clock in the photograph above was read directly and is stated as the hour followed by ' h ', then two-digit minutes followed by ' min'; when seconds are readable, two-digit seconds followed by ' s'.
5 h 13 min 44 s
